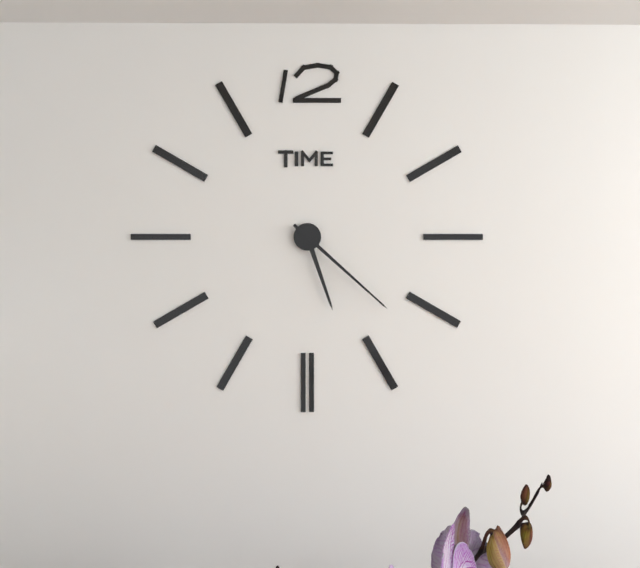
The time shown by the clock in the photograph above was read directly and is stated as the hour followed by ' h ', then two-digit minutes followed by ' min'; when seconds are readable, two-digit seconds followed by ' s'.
5 h 22 min
